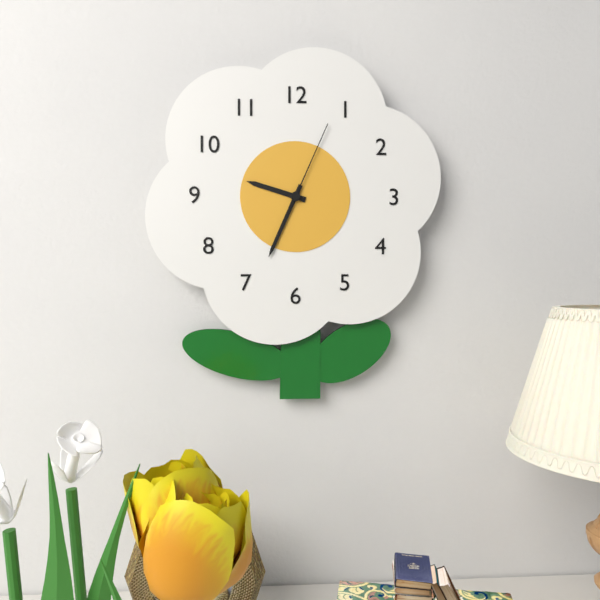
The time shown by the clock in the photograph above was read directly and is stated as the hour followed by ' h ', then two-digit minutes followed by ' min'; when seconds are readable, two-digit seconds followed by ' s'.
9 h 34 min 04 s
